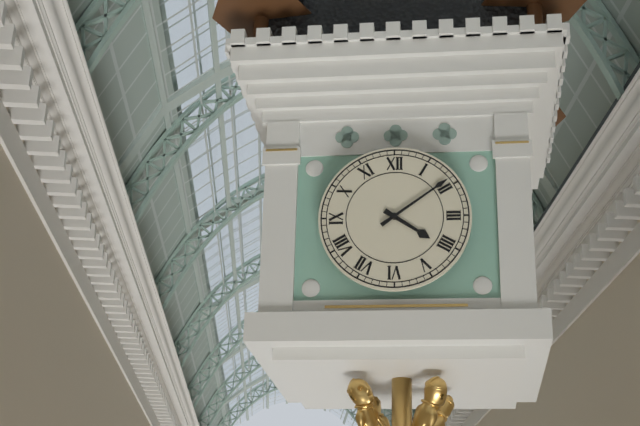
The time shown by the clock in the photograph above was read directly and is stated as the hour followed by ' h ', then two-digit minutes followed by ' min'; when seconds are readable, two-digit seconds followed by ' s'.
4 h 09 min
